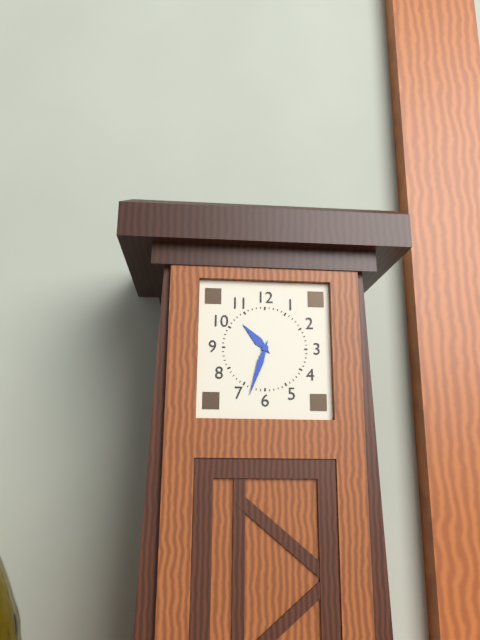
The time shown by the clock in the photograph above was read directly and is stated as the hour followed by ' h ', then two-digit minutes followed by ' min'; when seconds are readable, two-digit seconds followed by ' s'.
10 h 33 min
